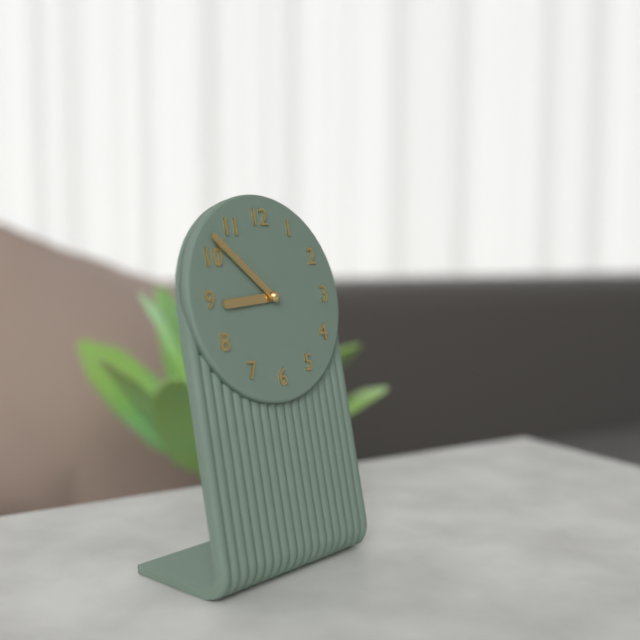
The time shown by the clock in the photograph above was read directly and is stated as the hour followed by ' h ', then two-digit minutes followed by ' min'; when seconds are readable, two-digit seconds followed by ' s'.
8 h 52 min
